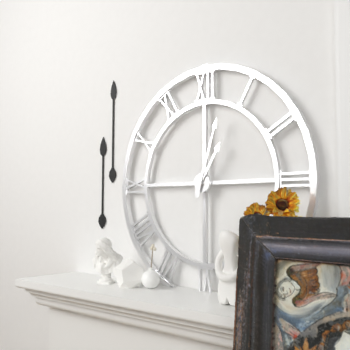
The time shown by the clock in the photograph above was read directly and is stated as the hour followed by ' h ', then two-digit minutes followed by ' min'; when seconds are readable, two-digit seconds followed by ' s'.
1 h 03 min
